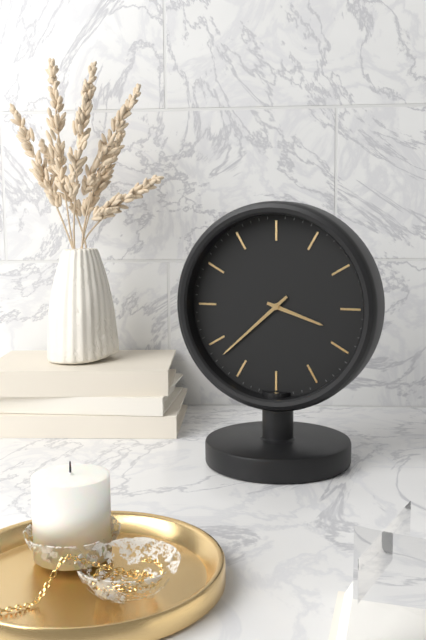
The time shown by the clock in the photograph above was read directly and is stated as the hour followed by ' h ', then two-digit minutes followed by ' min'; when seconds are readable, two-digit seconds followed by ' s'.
3 h 38 min
